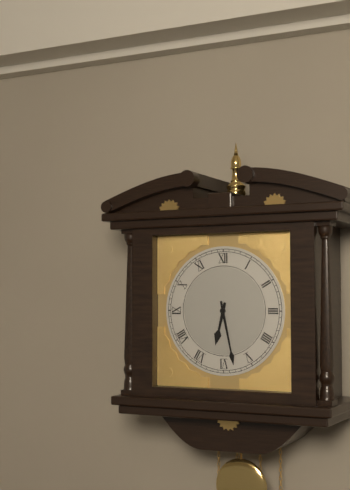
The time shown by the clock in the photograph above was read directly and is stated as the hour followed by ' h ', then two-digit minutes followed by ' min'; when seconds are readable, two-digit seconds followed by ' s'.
6 h 28 min
